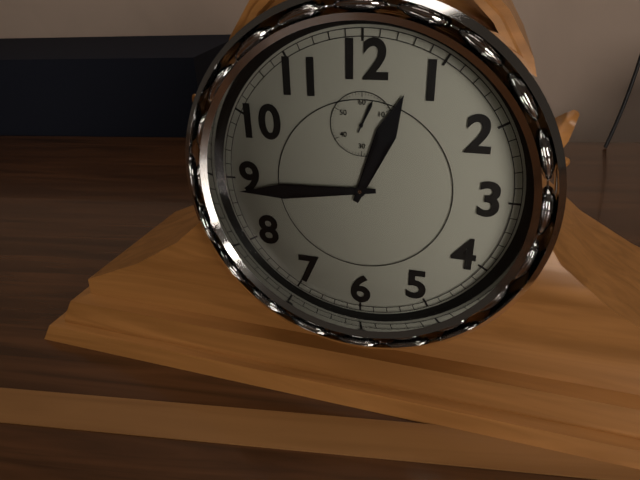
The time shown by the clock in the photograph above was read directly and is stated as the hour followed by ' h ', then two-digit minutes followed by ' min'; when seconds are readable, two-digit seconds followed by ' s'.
12 h 44 min
